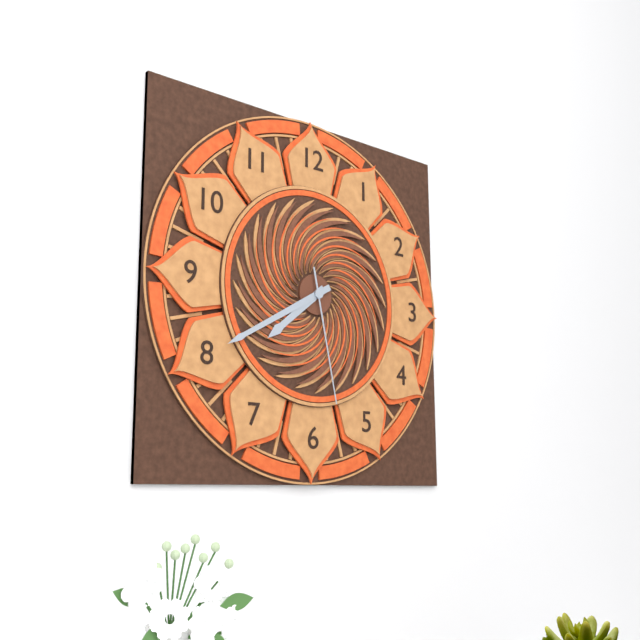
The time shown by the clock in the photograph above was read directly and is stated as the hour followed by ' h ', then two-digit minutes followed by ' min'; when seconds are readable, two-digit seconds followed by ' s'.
7 h 40 min 28 s
